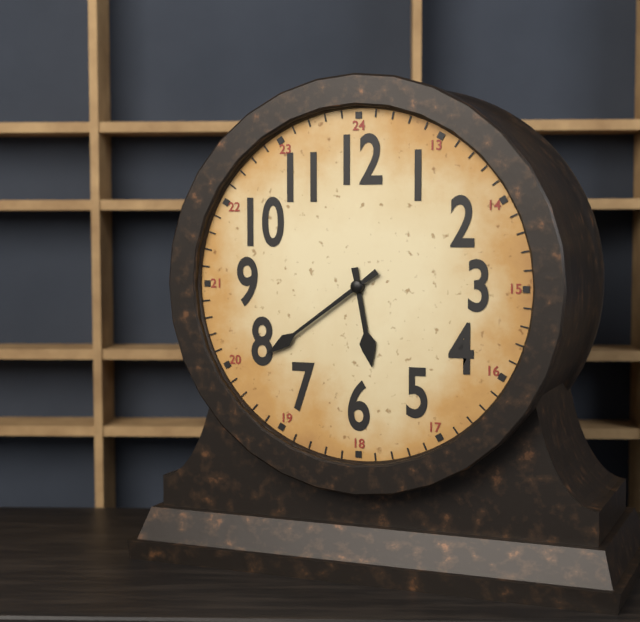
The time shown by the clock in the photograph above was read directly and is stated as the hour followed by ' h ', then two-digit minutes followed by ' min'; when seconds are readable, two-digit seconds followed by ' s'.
5 h 39 min
